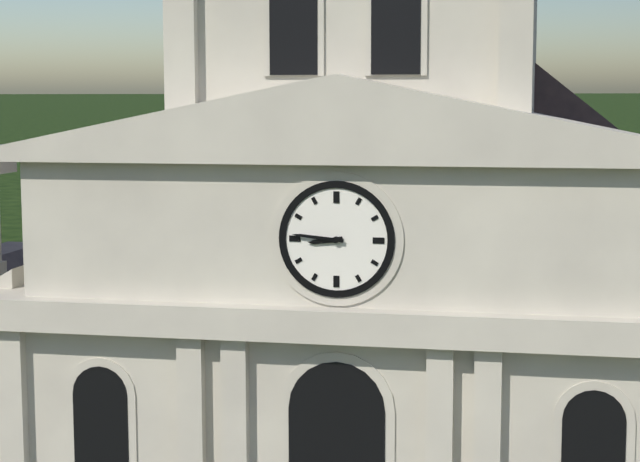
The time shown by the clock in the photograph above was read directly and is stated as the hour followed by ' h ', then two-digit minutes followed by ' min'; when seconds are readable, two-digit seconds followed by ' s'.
8 h 46 min
